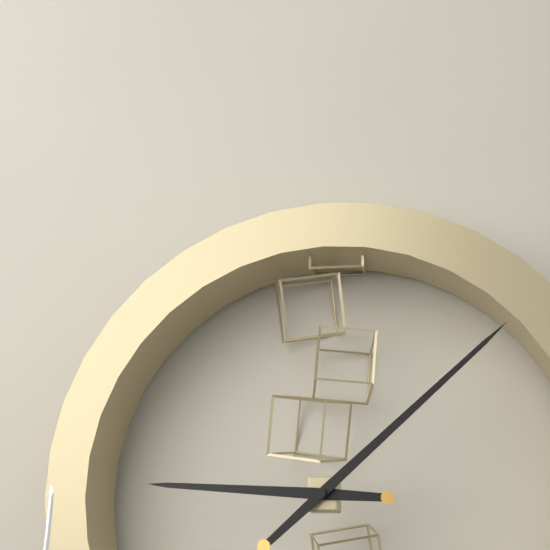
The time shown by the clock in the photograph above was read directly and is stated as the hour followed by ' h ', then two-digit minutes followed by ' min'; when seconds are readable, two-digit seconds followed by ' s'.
9 h 08 min
